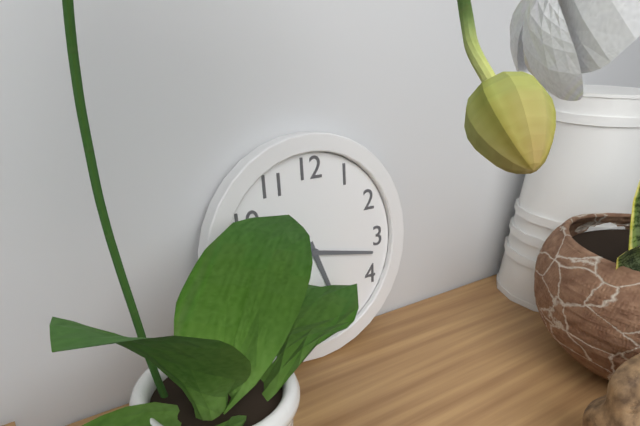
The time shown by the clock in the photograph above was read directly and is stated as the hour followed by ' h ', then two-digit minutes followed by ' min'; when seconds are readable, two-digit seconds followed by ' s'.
5 h 17 min
